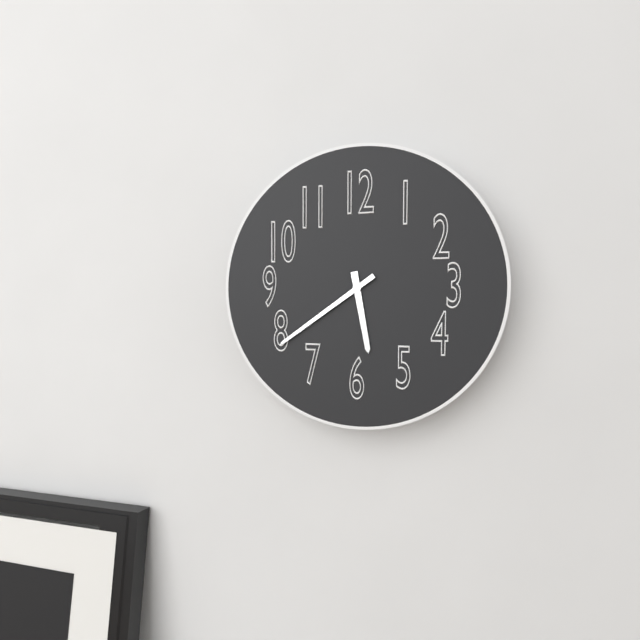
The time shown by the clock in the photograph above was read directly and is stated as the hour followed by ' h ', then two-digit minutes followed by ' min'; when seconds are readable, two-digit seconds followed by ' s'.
5 h 39 min
